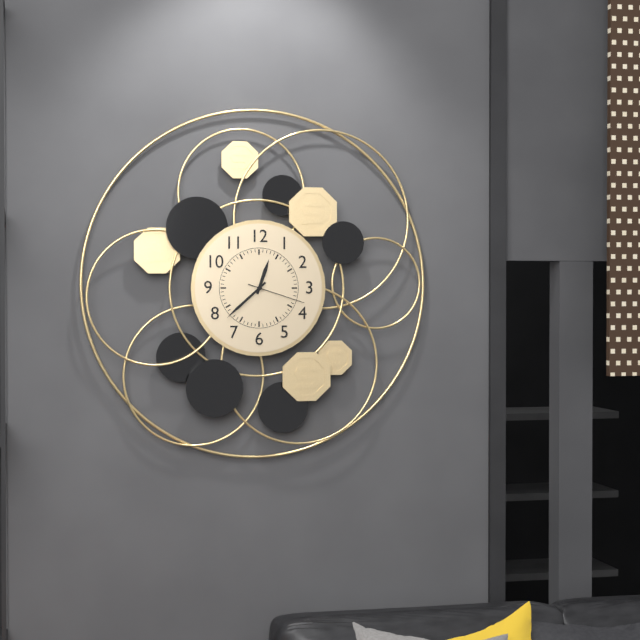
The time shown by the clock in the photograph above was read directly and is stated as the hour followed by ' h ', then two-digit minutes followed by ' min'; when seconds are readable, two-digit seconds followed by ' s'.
12 h 38 min 18 s
